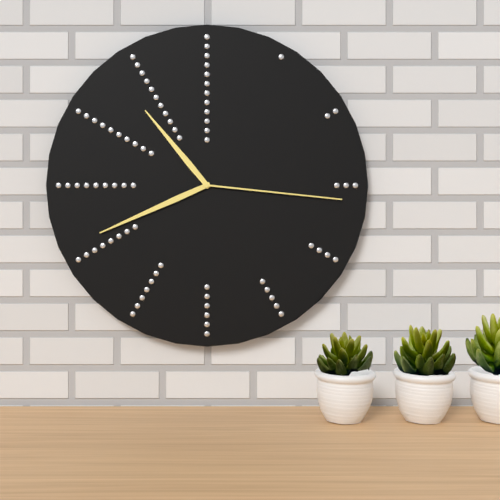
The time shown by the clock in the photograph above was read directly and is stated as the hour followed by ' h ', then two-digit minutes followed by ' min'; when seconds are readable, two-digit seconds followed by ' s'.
10 h 41 min 16 s
